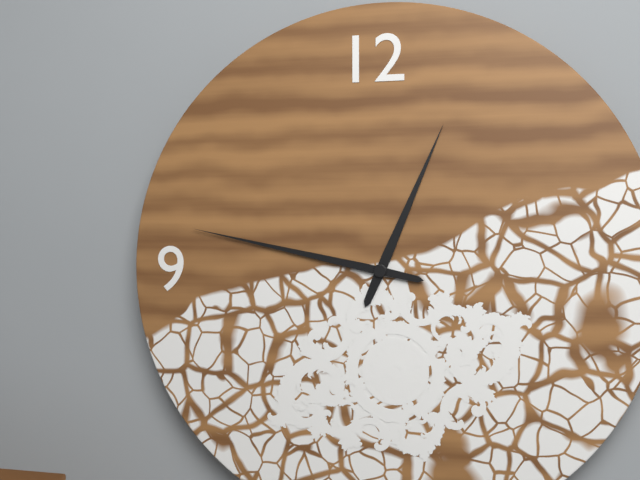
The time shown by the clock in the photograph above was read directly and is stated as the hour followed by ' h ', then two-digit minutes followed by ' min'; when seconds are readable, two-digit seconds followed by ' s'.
12 h 47 min
